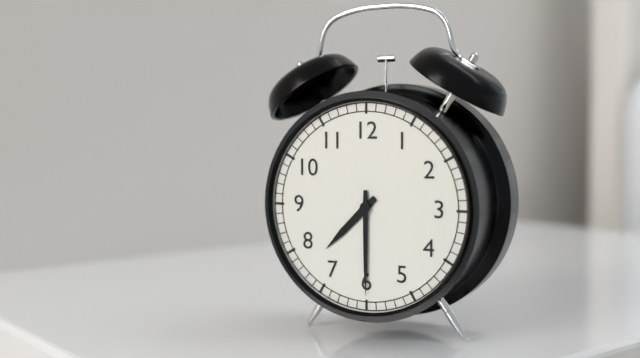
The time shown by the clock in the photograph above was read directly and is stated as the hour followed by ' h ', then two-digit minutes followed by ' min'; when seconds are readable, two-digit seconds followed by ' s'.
7 h 30 min
